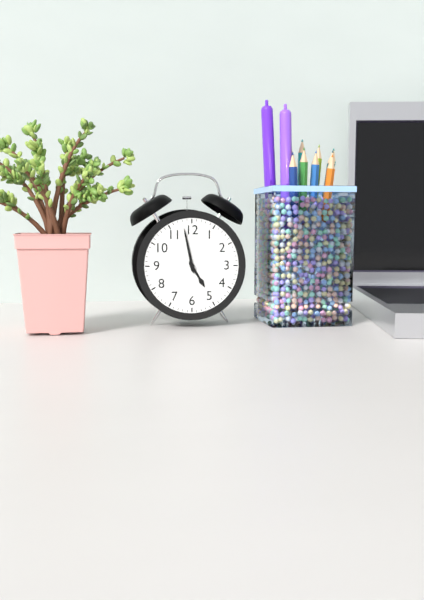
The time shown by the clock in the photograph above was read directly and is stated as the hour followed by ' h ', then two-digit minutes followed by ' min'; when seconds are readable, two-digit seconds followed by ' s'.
4 h 58 min
